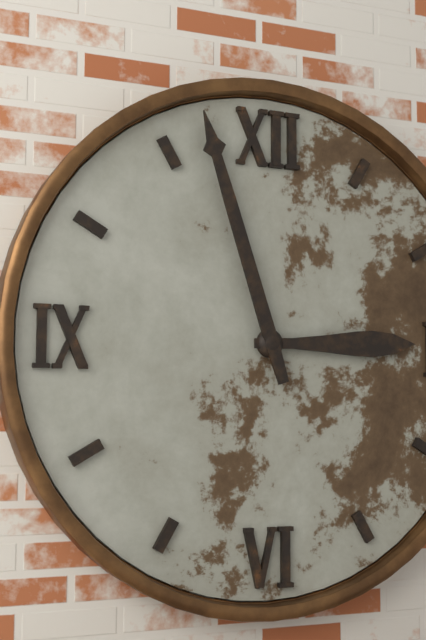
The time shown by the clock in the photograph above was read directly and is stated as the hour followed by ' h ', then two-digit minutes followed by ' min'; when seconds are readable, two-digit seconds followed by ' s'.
2 h 57 min
